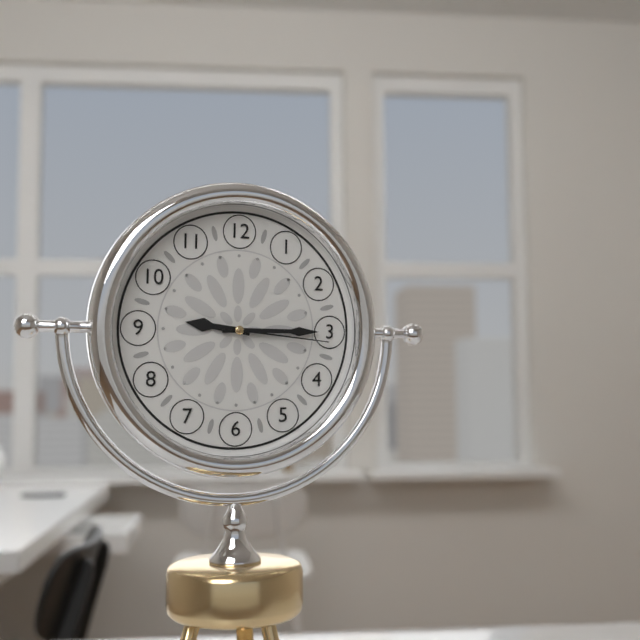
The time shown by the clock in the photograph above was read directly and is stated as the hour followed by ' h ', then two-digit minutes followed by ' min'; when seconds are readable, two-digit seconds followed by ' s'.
9 h 15 min 16 s
